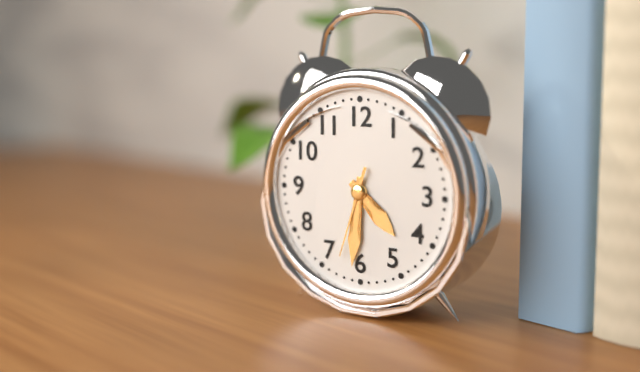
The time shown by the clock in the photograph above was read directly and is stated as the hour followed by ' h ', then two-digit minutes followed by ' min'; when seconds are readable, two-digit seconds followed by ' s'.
4 h 31 min 33 s
